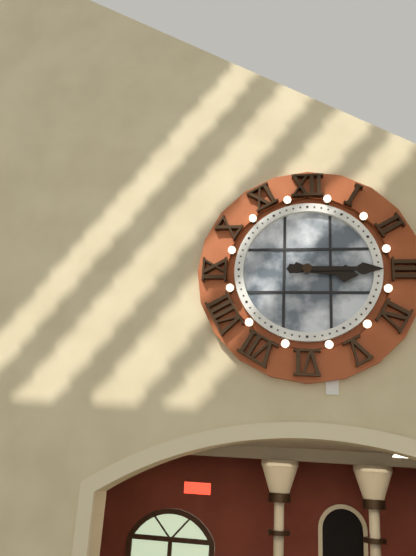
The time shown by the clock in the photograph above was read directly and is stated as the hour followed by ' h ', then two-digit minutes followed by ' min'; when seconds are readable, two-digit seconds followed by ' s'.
3 h 15 min
